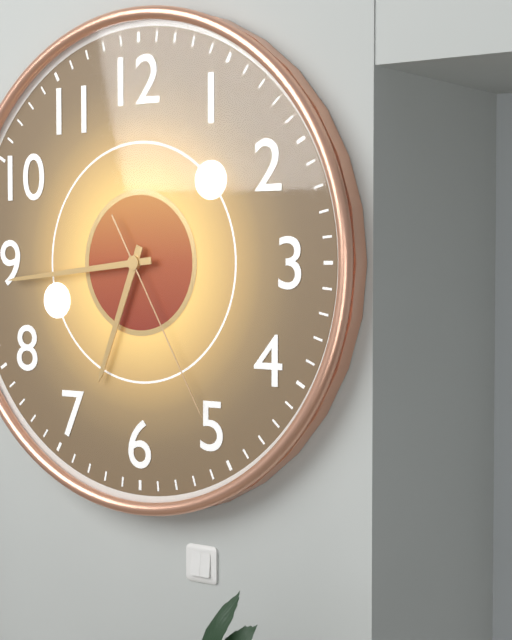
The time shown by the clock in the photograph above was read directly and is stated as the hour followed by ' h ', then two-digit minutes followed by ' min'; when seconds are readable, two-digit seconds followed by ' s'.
6 h 44 min 25 s
